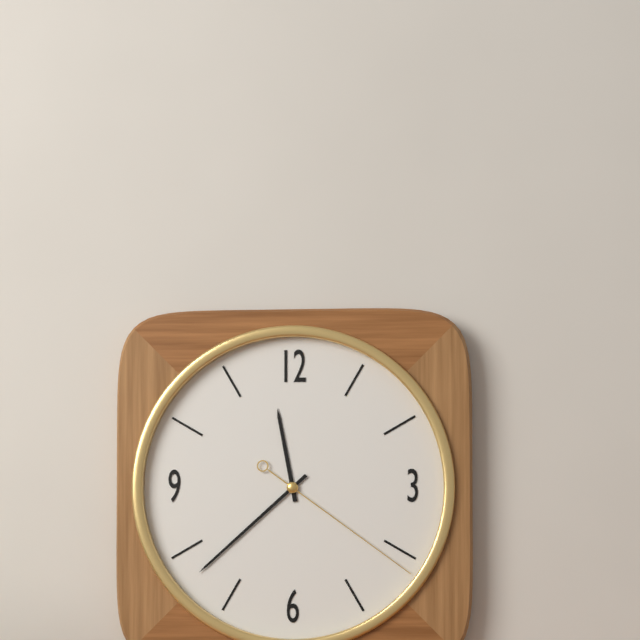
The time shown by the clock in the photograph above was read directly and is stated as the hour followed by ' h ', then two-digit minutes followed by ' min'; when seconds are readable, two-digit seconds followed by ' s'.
11 h 38 min 21 s
